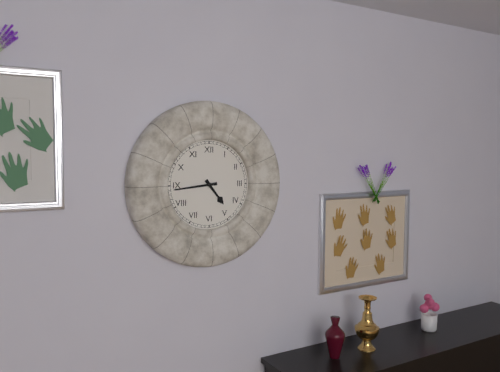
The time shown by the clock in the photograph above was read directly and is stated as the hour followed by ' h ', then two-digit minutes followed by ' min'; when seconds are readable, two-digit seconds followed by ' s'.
4 h 44 min
